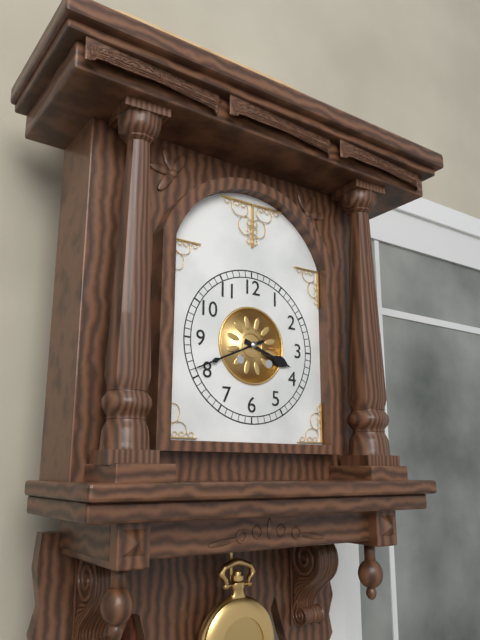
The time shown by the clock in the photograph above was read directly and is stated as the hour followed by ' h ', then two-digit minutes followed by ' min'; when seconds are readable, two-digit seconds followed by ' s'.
3 h 41 min
